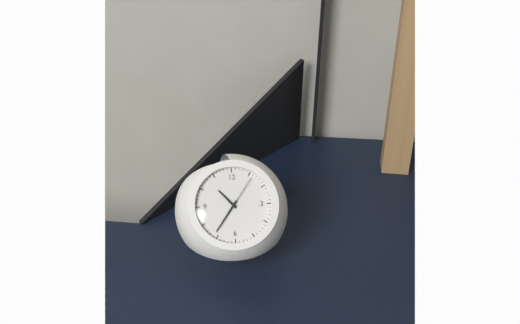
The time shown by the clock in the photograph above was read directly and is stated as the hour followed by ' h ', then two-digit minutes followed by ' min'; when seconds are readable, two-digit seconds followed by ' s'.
10 h 36 min
